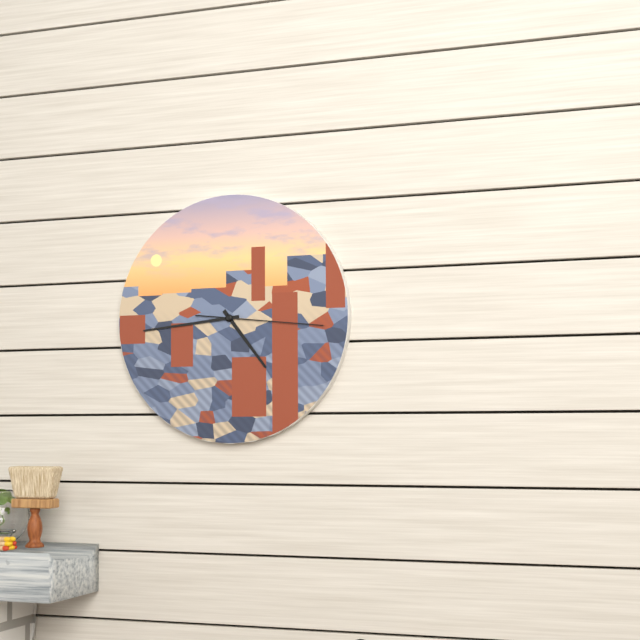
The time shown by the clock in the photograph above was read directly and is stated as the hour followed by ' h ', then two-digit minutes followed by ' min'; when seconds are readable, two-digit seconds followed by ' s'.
4 h 44 min 16 s
